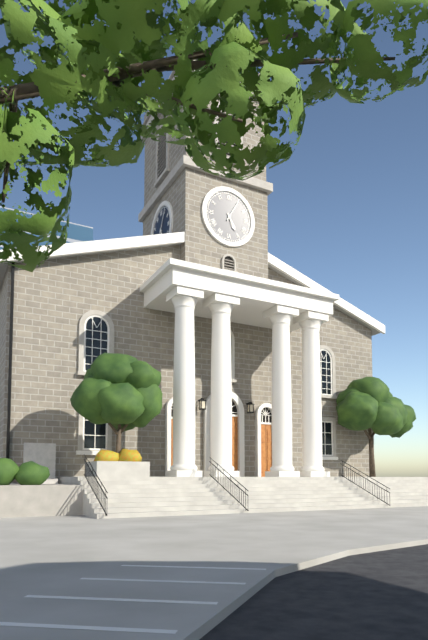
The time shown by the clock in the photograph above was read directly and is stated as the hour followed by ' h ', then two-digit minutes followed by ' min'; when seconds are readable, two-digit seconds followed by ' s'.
5 h 05 min
